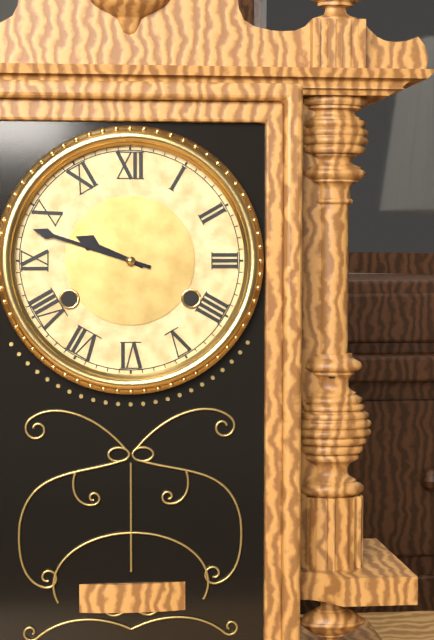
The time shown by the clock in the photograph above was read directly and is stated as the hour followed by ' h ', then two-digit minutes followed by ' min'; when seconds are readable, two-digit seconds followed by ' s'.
9 h 48 min
